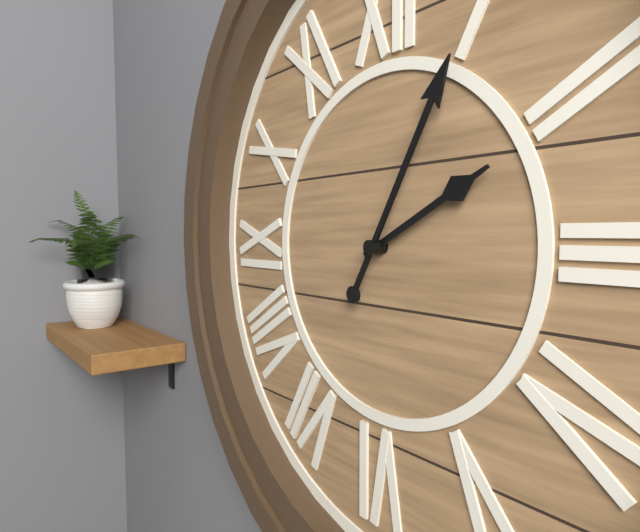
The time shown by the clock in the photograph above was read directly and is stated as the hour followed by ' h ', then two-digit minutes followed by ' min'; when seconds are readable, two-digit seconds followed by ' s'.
2 h 05 min
